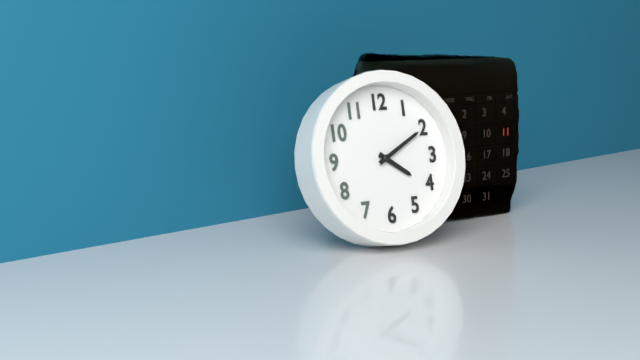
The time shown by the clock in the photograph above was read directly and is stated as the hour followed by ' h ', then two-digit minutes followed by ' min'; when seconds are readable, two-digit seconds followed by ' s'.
4 h 10 min
